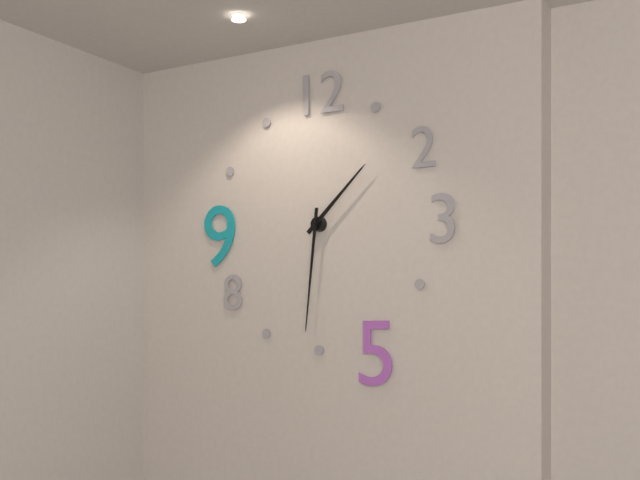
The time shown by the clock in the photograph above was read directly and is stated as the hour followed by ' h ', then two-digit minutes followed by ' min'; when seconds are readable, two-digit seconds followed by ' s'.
1 h 31 min
